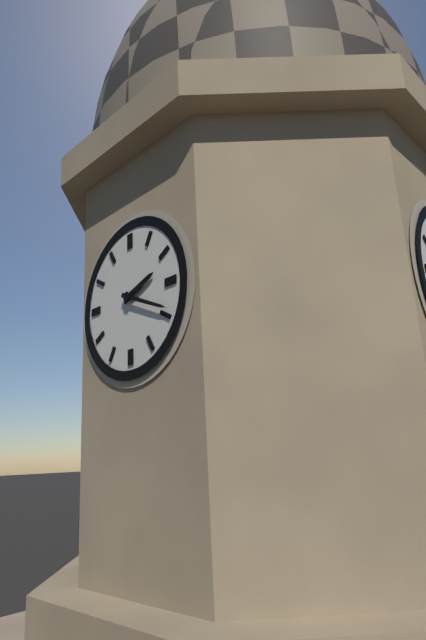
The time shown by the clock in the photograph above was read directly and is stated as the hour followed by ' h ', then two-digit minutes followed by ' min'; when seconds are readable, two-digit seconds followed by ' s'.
2 h 19 min
